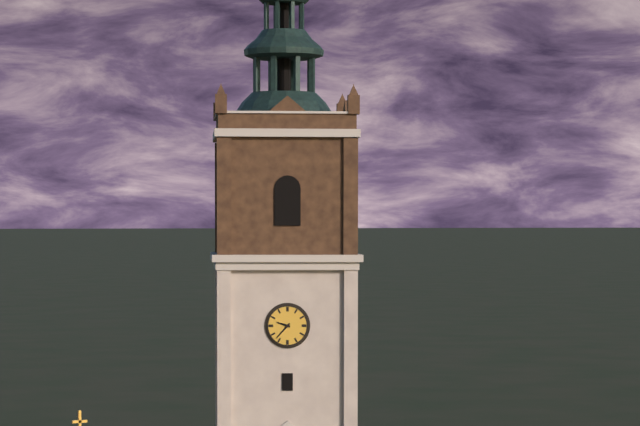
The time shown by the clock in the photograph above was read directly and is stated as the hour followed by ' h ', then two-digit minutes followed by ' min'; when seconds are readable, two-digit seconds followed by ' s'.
9 h 37 min
